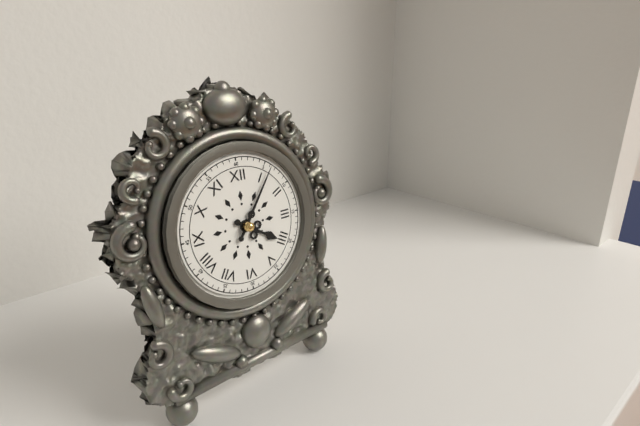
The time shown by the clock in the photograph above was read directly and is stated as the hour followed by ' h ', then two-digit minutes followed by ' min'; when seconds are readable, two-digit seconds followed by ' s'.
4 h 06 min
